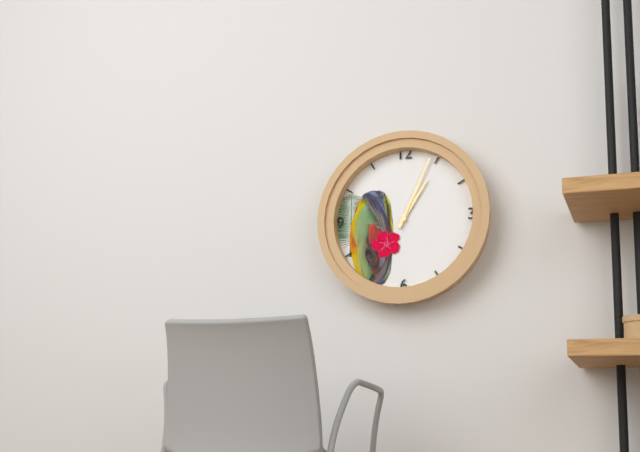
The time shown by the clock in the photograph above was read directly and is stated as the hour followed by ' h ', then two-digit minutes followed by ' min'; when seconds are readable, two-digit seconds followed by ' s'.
1 h 04 min
